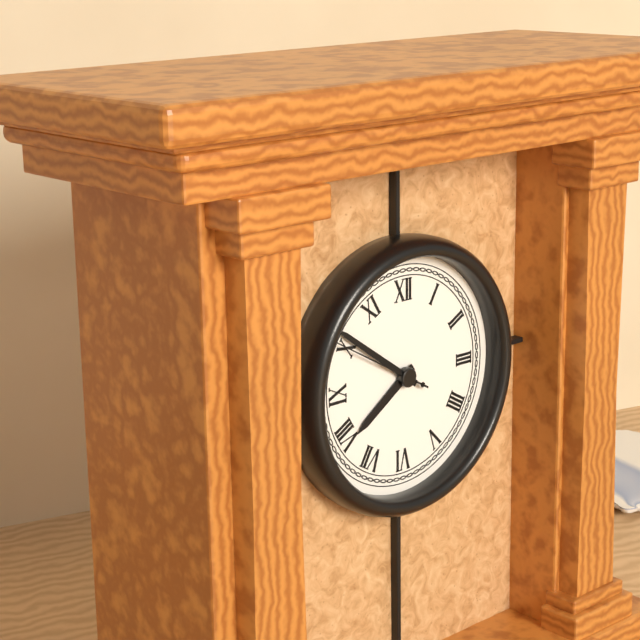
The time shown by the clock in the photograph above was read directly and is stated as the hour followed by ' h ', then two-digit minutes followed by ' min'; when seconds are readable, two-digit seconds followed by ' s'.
7 h 51 min 50 s
